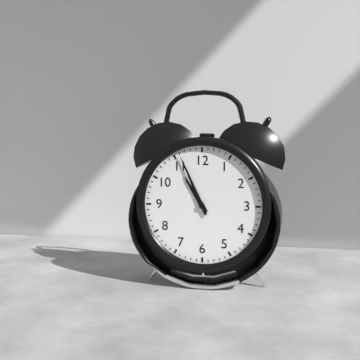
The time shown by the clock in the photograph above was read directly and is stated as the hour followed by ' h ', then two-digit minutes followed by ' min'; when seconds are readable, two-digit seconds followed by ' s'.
10 h 56 min
